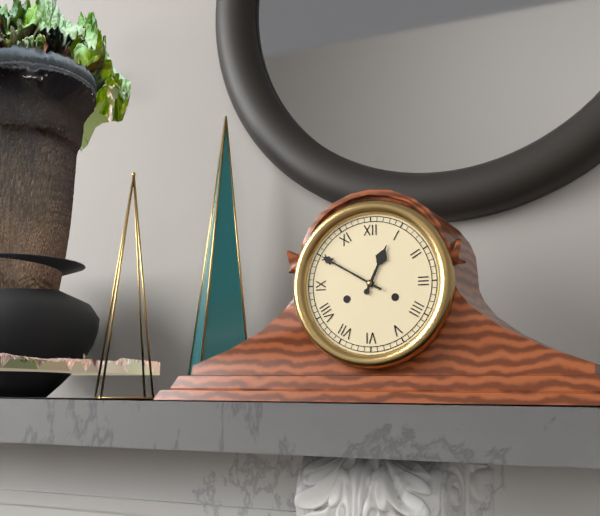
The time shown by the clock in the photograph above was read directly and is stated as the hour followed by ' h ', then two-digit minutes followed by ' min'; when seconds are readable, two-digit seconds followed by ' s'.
12 h 50 min
